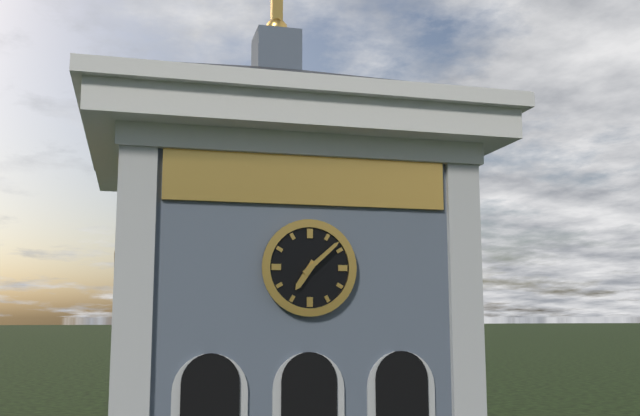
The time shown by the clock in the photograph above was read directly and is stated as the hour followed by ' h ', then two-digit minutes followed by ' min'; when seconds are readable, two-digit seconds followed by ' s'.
7 h 08 min
